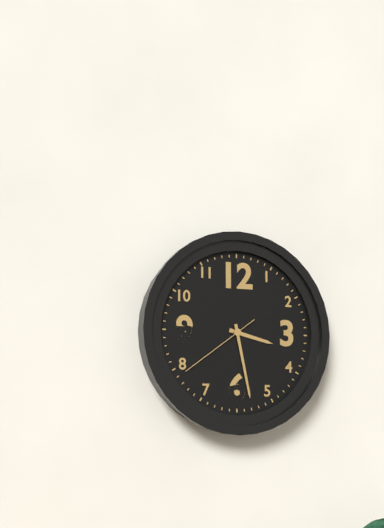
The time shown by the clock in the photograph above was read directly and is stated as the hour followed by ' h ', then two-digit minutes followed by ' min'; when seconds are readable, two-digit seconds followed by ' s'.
3 h 28 min 39 s
